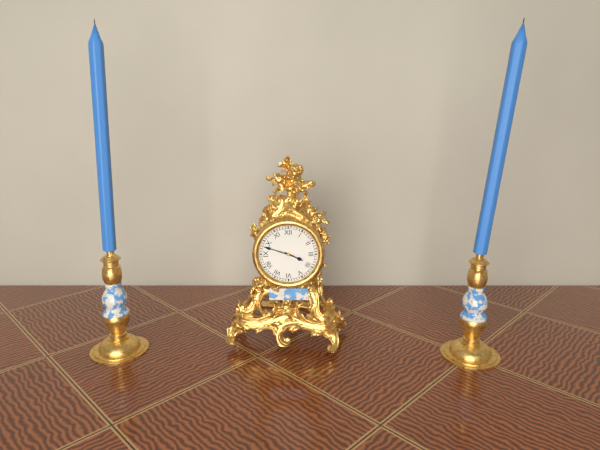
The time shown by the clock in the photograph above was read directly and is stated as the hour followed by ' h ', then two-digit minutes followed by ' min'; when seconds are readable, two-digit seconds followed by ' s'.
3 h 48 min
